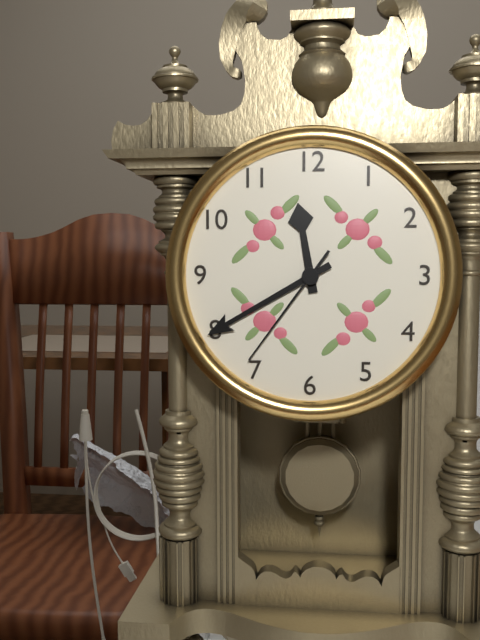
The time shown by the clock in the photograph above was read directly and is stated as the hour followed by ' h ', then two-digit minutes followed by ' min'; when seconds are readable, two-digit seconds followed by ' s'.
11 h 40 min 36 s
